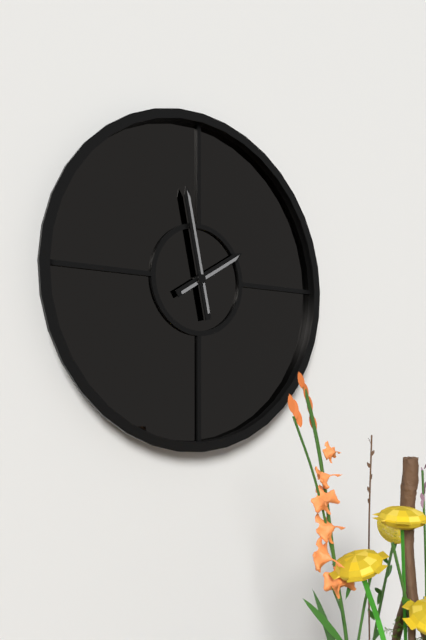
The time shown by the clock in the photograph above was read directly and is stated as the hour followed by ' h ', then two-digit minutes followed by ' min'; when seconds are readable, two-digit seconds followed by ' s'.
1 h 58 min
